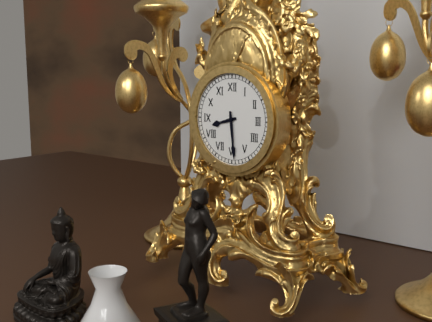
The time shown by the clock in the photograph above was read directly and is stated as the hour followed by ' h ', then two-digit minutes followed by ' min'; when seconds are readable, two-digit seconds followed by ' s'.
8 h 29 min
